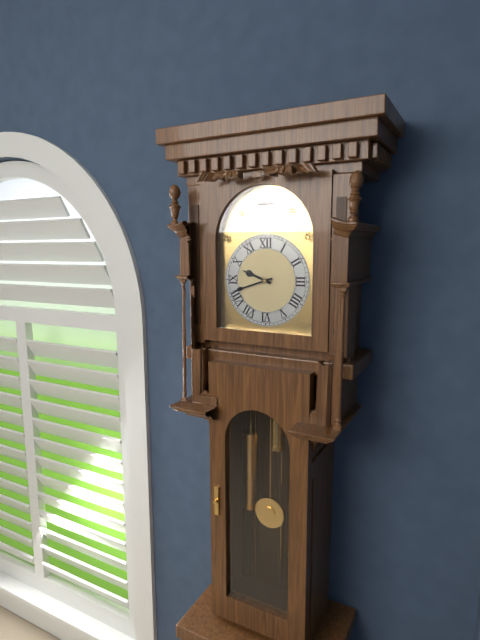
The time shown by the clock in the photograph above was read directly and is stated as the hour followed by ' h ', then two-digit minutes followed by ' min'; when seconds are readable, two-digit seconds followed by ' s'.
9 h 42 min
